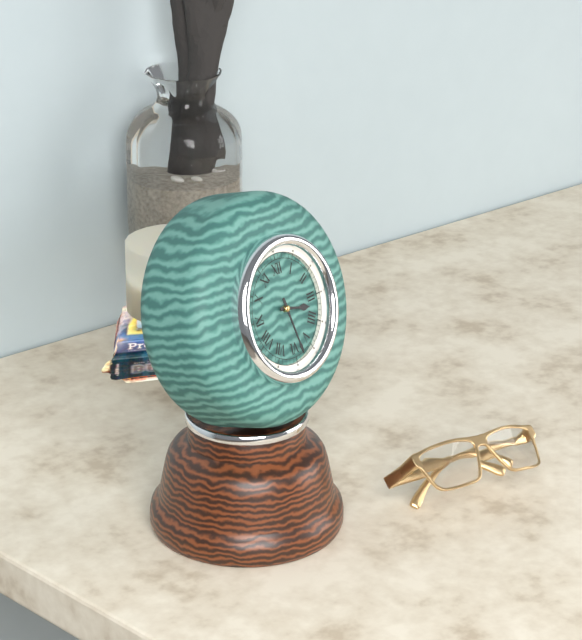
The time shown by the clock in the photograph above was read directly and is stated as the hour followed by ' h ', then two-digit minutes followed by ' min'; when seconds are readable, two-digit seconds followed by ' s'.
3 h 28 min
